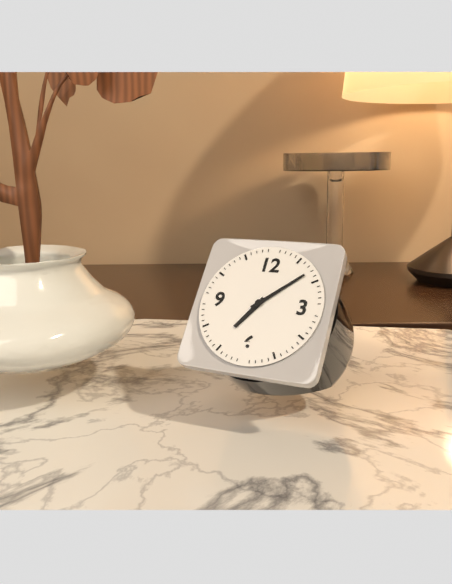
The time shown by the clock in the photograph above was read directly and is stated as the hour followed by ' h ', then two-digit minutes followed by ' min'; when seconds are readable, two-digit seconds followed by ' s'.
7 h 08 min
